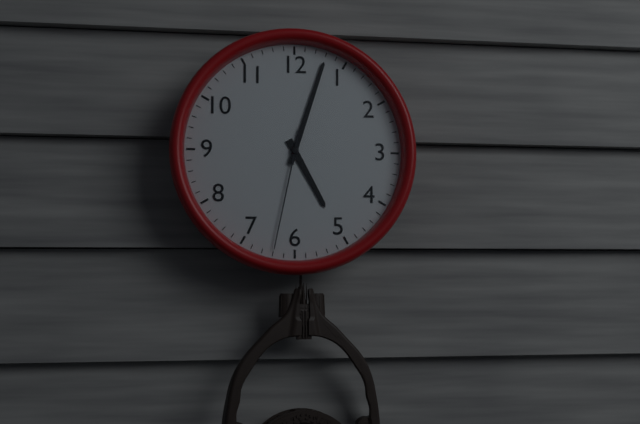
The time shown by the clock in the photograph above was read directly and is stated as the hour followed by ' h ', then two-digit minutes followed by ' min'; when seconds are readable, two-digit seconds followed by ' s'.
5 h 03 min 32 s
